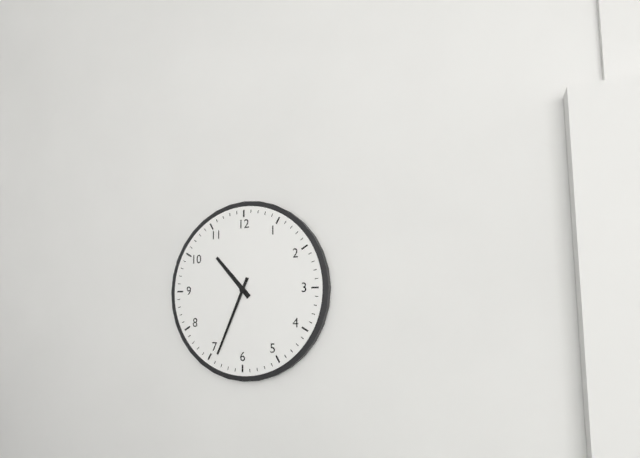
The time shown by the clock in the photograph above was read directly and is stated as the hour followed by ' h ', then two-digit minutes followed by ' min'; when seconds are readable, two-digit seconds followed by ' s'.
10 h 34 min
